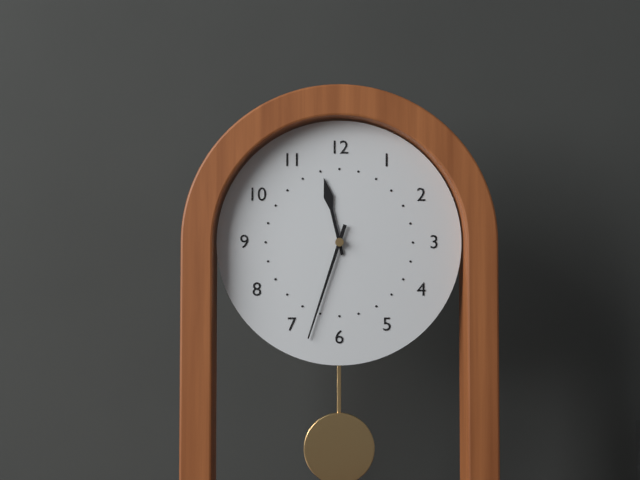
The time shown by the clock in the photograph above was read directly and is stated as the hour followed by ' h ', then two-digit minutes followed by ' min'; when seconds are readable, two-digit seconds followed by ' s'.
11 h 33 min
